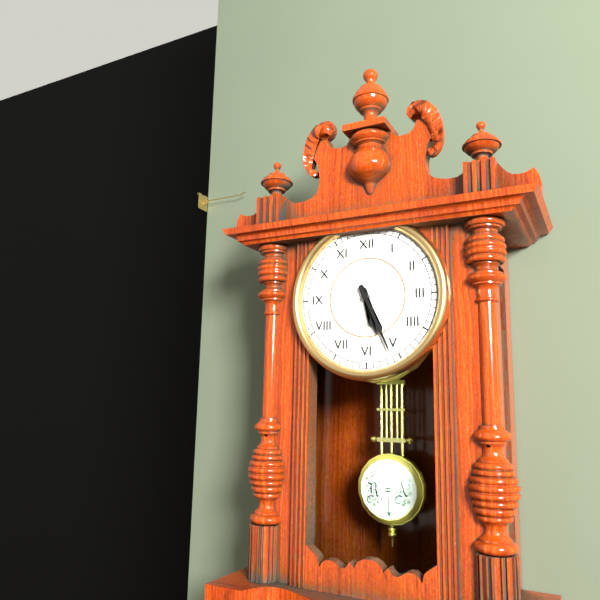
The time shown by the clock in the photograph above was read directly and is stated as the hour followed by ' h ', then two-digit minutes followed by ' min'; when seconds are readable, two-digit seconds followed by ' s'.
5 h 26 min
